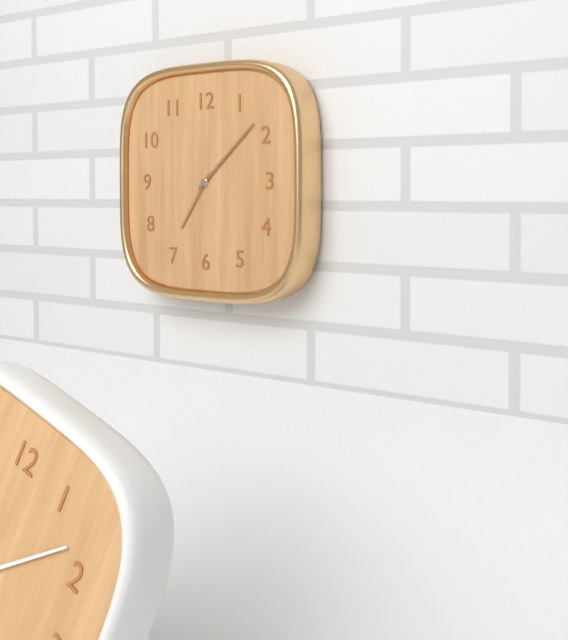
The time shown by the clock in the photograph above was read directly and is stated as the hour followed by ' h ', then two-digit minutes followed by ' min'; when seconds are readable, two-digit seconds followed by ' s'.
7 h 08 min
